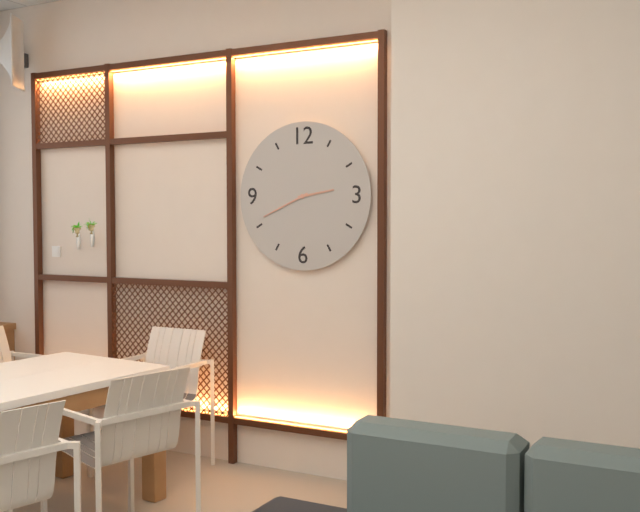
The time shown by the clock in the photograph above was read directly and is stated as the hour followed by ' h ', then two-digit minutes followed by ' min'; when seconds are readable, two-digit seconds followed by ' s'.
2 h 41 min
